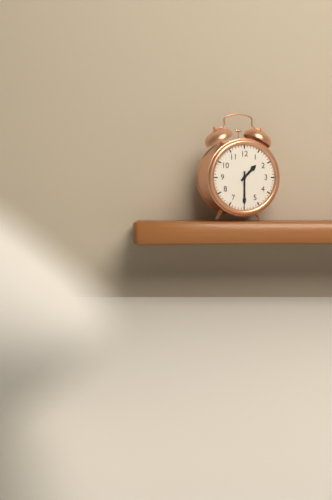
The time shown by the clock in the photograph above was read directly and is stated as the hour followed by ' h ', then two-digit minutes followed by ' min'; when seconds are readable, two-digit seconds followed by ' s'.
1 h 30 min
